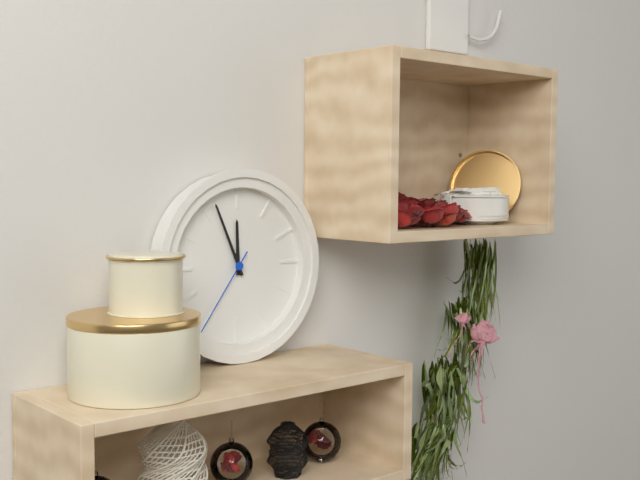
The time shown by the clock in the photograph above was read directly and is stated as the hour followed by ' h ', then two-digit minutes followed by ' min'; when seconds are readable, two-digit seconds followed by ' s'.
11 h 56 min 36 s
